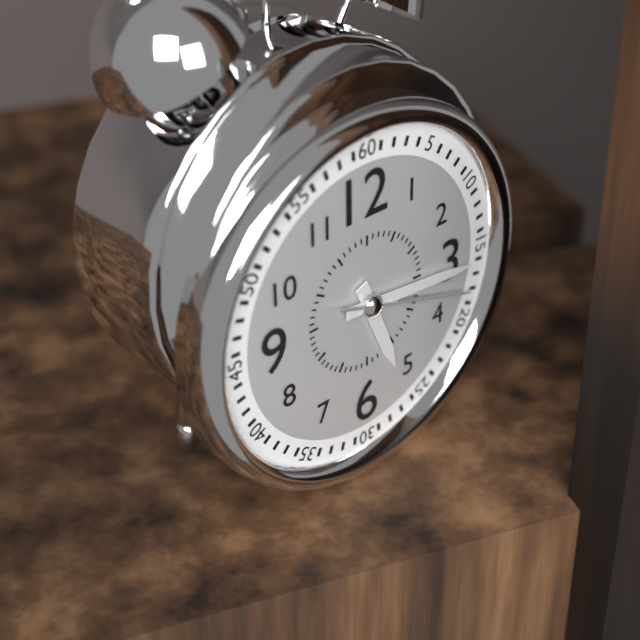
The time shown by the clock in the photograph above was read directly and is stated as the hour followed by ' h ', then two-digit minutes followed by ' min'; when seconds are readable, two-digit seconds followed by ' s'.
5 h 16 min 18 s
